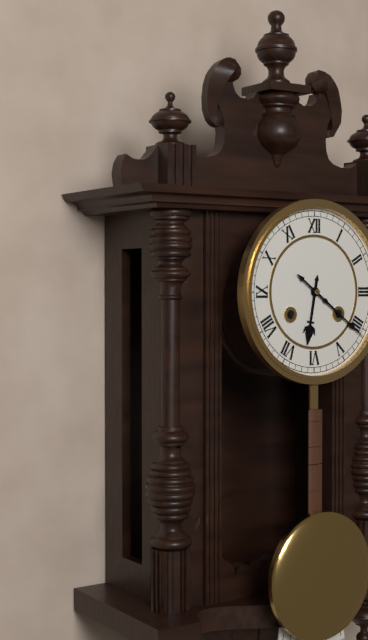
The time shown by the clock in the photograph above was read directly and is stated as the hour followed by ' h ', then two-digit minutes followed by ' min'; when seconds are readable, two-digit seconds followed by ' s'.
6 h 21 min
